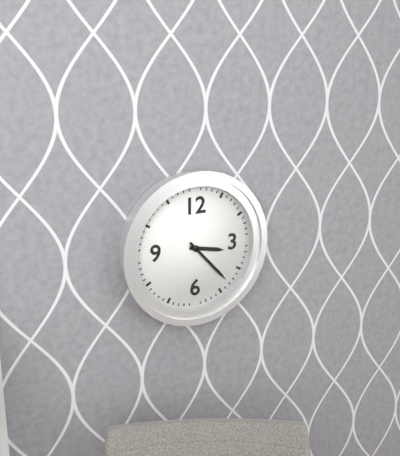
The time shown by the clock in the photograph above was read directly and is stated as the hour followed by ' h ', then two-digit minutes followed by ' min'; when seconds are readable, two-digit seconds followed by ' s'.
3 h 23 min
